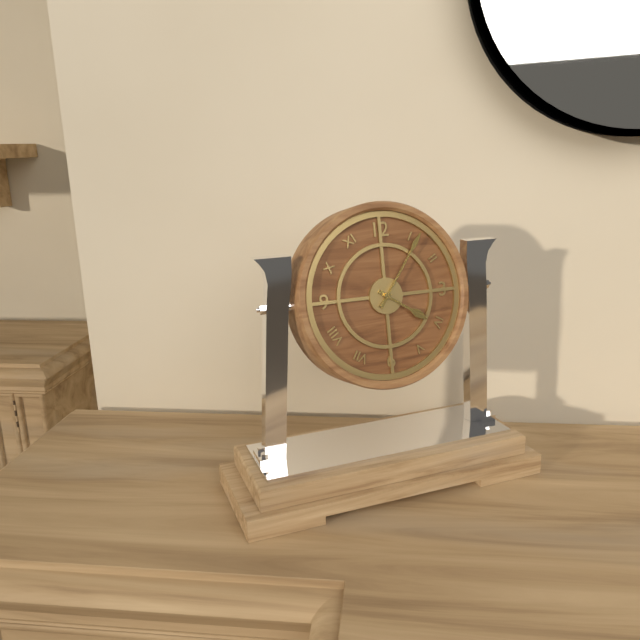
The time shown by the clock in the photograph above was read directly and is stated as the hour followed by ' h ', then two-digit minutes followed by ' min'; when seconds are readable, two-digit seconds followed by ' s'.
4 h 06 min
